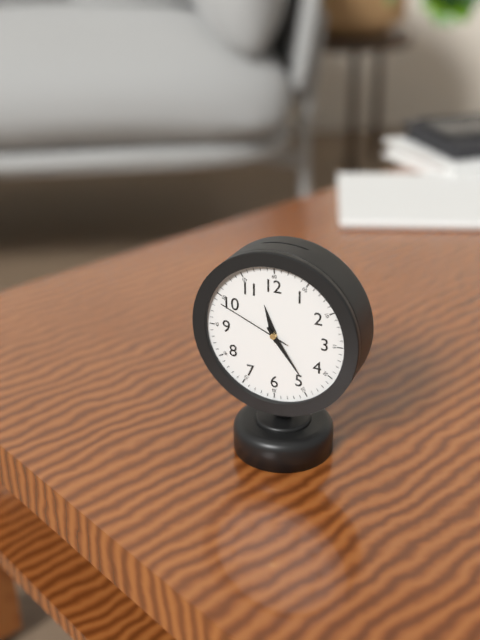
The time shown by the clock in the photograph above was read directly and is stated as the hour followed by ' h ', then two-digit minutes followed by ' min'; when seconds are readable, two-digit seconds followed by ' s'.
11 h 24 min 49 s
